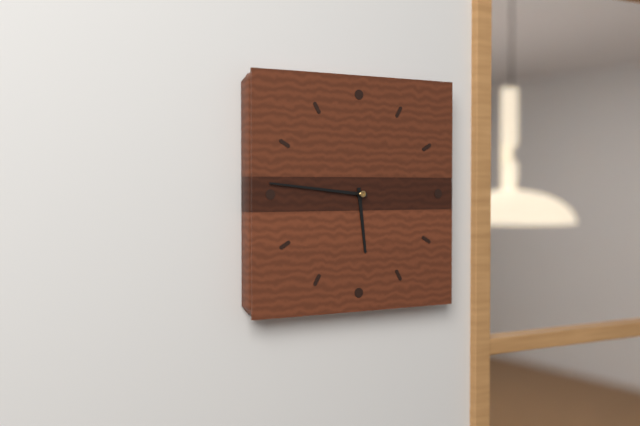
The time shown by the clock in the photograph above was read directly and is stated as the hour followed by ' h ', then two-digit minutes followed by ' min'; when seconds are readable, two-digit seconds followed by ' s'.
5 h 46 min
